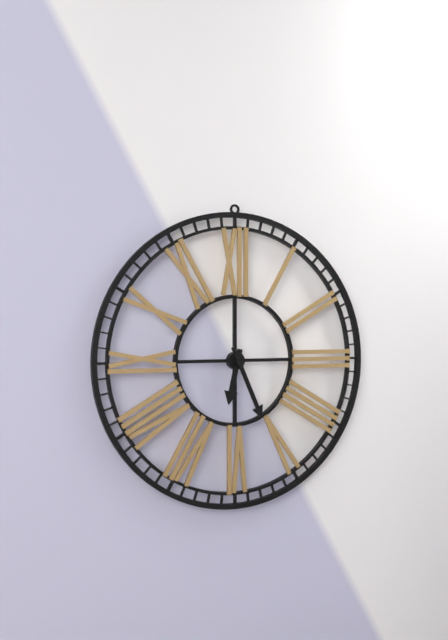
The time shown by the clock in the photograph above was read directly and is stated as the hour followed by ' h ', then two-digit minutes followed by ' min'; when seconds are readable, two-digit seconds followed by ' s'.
6 h 26 min
